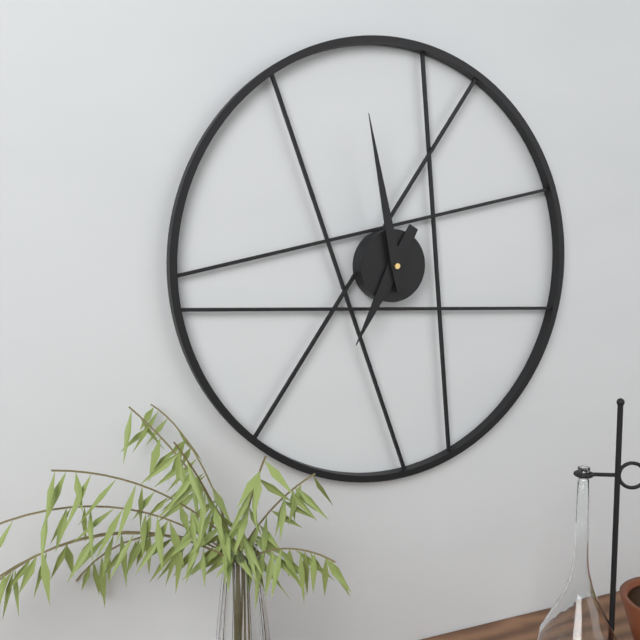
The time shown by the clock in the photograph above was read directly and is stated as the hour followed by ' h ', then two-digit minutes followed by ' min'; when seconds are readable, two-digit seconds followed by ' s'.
6 h 58 min
